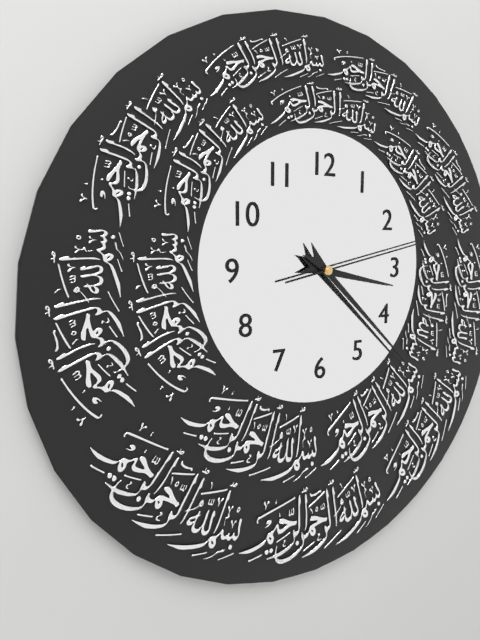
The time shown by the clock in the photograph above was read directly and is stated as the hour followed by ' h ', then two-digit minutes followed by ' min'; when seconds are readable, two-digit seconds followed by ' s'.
3 h 22 min 13 s
